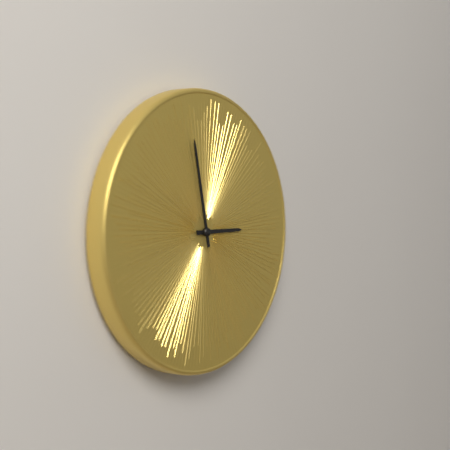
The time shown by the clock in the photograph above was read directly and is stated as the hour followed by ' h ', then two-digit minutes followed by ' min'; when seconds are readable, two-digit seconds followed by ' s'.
2 h 58 min
